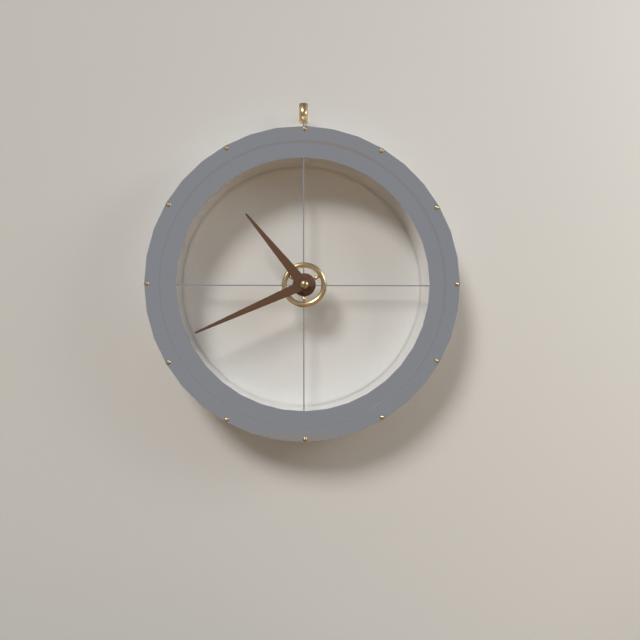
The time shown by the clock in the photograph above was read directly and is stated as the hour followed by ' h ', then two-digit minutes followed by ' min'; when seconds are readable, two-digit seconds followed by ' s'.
10 h 41 min
